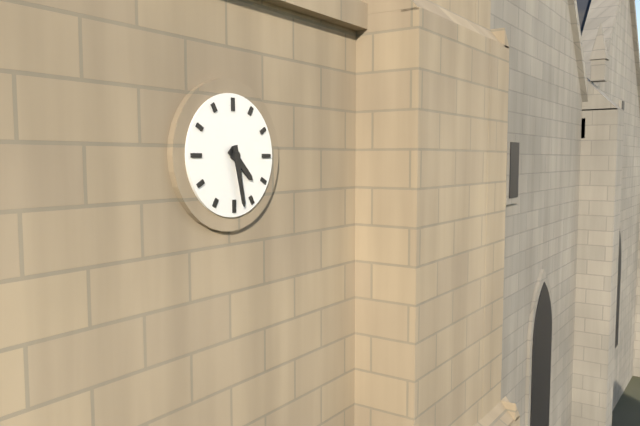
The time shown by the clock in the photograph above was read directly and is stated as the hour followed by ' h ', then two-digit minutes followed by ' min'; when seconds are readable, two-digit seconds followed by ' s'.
4 h 28 min
